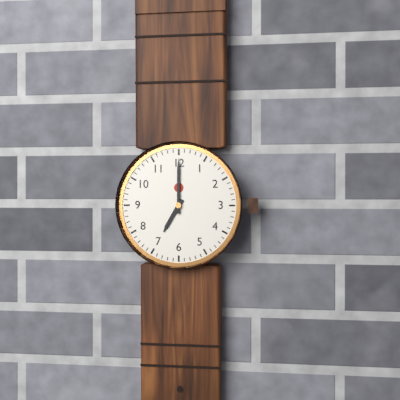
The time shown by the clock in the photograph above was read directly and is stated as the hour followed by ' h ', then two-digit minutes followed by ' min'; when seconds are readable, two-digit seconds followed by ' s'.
7 h 00 min
